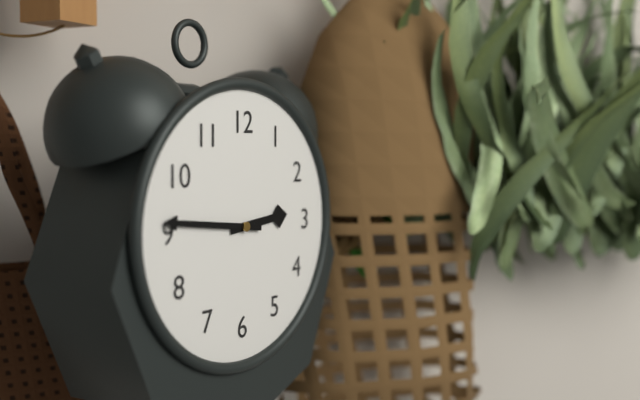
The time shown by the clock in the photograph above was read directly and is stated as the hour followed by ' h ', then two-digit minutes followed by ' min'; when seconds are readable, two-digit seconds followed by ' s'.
2 h 46 min
